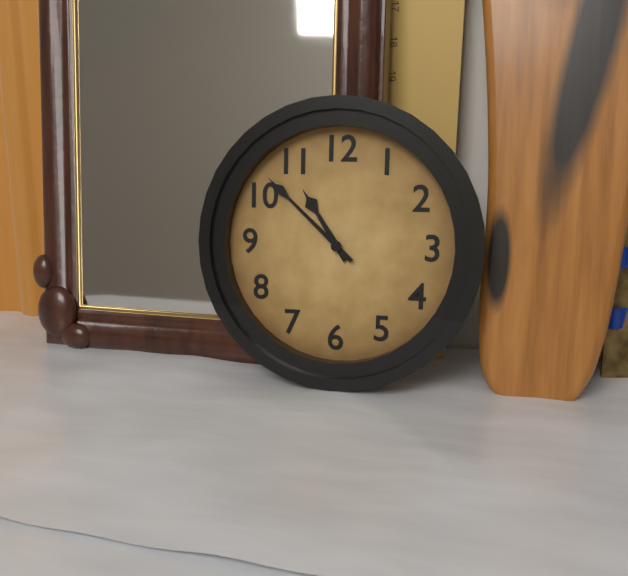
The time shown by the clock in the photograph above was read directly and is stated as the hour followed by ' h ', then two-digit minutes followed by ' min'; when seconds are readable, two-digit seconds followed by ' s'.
10 h 52 min
